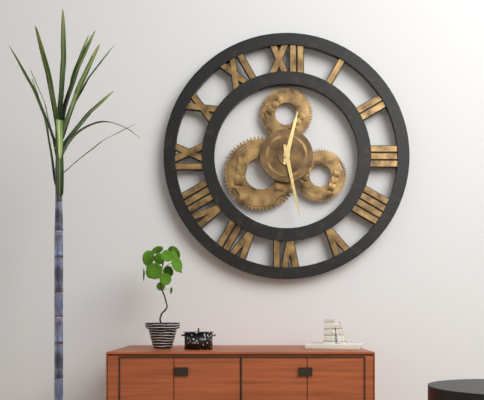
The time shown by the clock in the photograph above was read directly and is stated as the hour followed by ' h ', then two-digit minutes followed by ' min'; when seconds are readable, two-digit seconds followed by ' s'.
12 h 28 min
